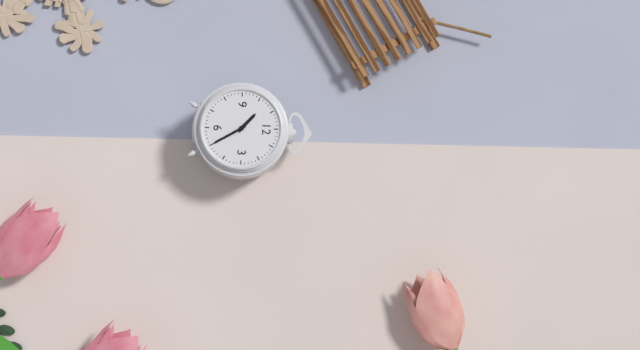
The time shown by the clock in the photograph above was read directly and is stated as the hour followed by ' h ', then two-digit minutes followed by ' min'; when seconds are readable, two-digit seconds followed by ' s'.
10 h 25 min
